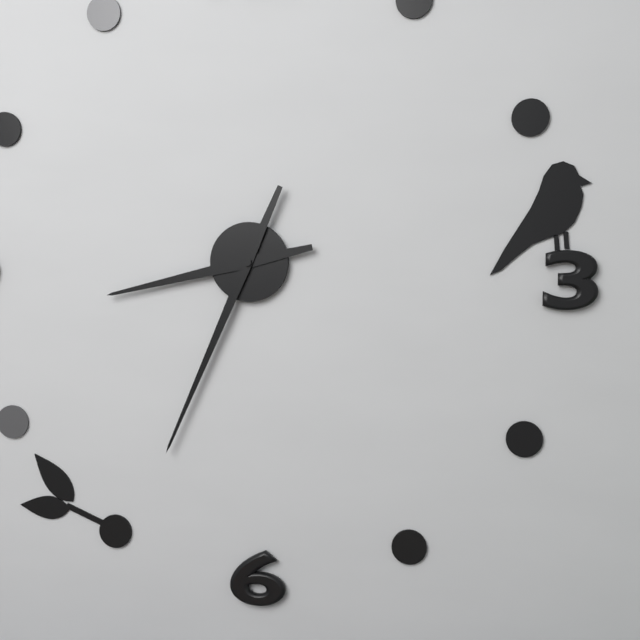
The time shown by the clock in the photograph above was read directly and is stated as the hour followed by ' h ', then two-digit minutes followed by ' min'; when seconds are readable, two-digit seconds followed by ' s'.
8 h 34 min
